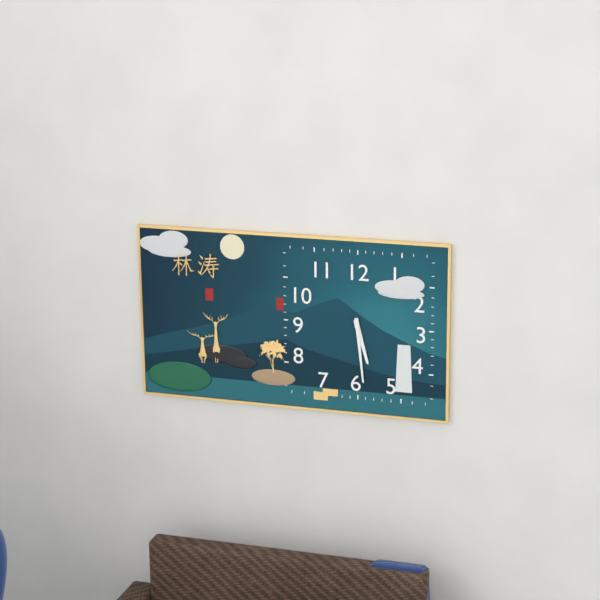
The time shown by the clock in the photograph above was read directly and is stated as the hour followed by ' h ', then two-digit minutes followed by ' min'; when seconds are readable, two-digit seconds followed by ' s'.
5 h 29 min
